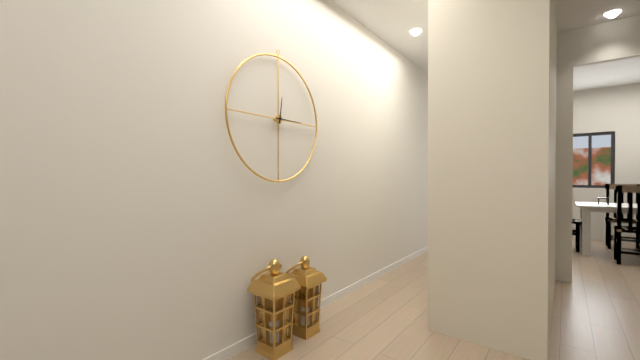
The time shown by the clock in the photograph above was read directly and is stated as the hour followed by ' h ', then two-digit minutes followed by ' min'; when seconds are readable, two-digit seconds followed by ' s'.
12 h 15 min
